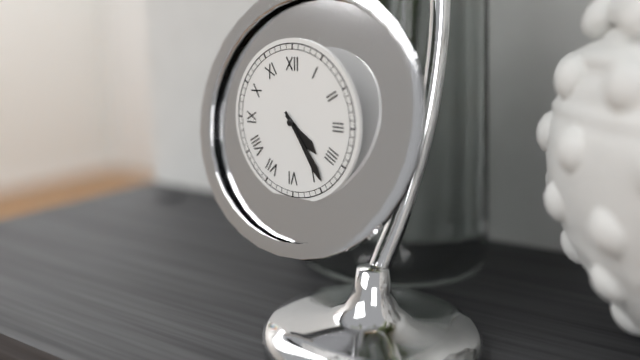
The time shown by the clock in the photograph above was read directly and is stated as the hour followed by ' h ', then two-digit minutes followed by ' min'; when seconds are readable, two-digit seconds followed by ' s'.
4 h 24 min
